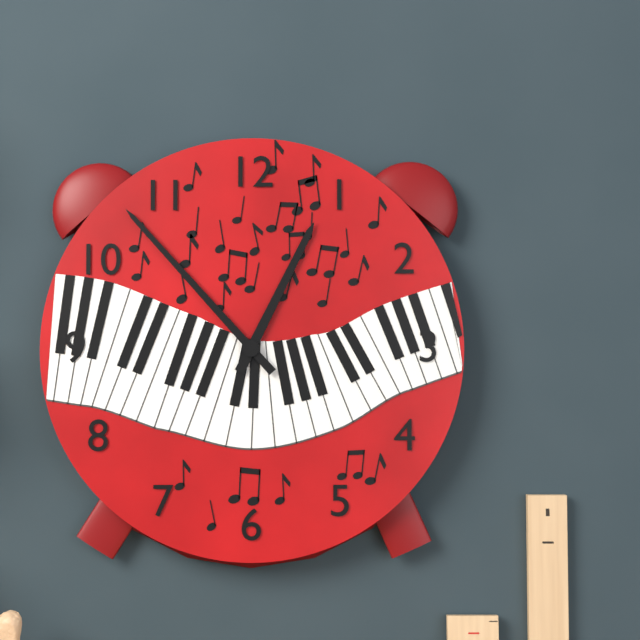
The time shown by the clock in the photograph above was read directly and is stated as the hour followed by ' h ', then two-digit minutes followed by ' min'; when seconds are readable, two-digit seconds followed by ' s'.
12 h 53 min
